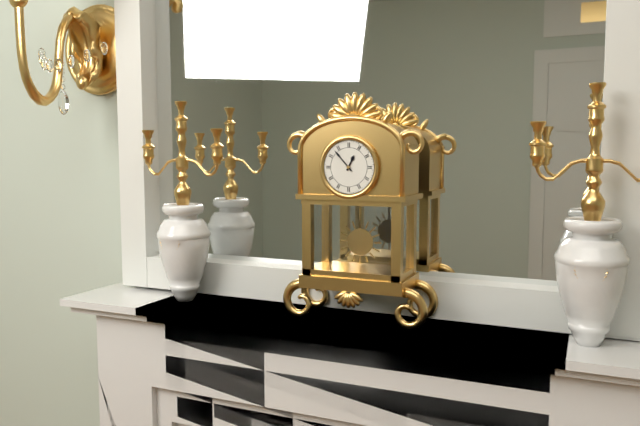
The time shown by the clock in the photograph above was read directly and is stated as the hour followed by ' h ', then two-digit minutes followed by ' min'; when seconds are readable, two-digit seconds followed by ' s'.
12 h 53 min
